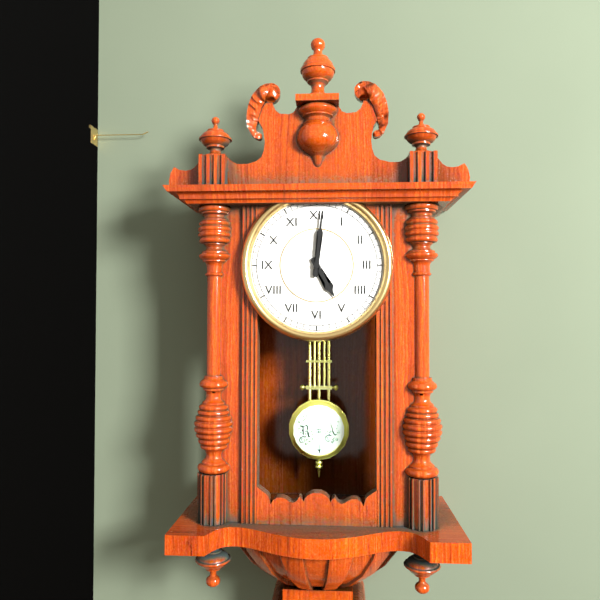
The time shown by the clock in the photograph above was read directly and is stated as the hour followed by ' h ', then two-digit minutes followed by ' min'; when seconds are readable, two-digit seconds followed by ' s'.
5 h 01 min
